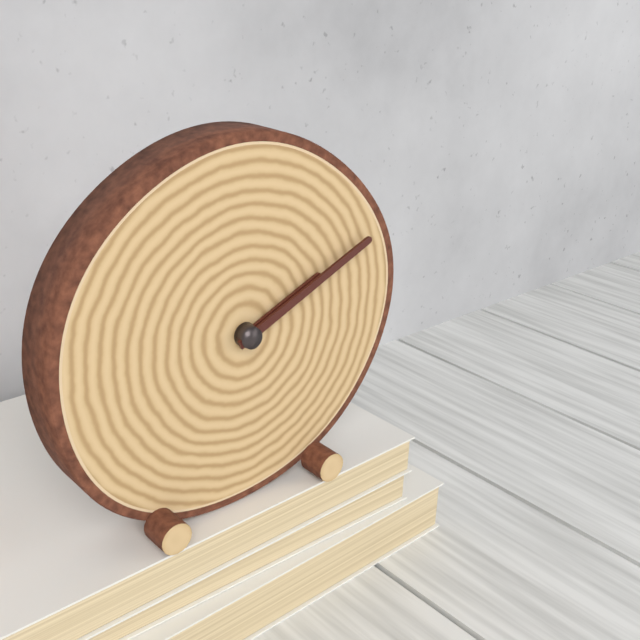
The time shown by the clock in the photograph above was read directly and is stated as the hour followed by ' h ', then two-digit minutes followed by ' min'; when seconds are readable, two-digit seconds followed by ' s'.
2 h 11 min
